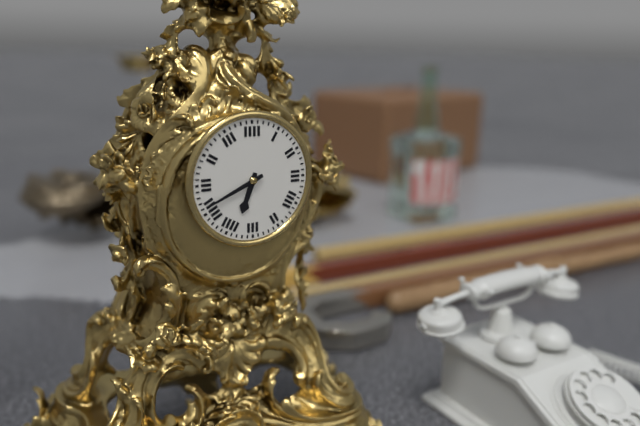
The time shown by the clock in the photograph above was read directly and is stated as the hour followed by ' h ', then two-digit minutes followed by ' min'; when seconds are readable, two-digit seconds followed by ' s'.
6 h 41 min
